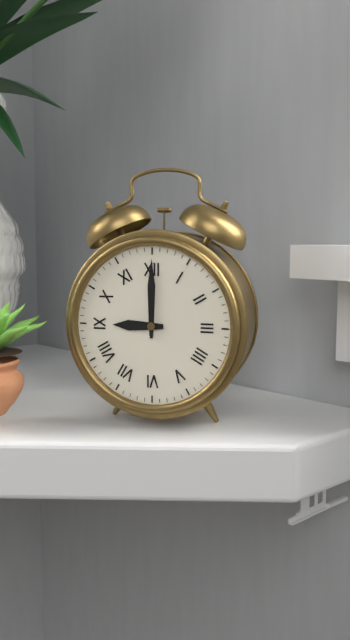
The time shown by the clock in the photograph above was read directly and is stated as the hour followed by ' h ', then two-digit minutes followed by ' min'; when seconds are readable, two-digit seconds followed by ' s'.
9 h 00 min
